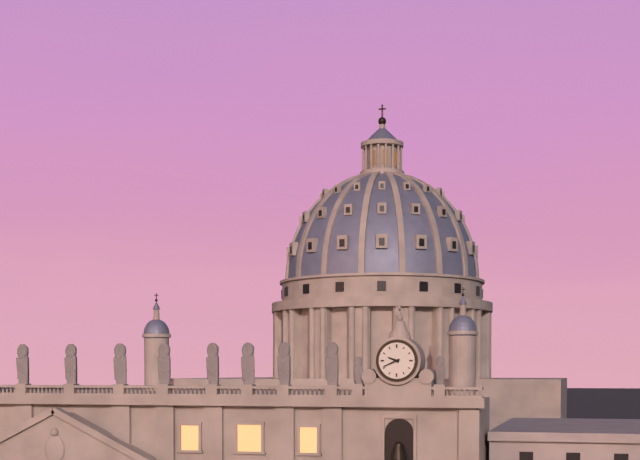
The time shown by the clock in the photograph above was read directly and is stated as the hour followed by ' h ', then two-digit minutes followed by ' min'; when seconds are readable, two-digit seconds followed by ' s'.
9 h 41 min
